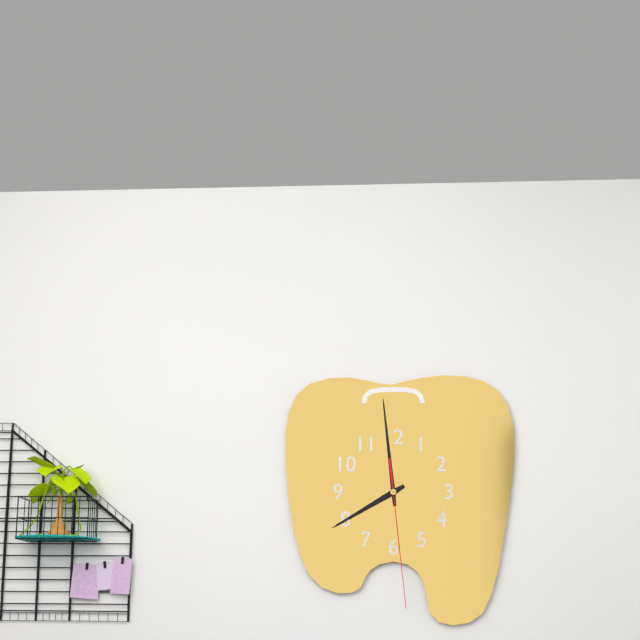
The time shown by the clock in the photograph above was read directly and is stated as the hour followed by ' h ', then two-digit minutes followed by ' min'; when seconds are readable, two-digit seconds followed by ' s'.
7 h 59 min 29 s
